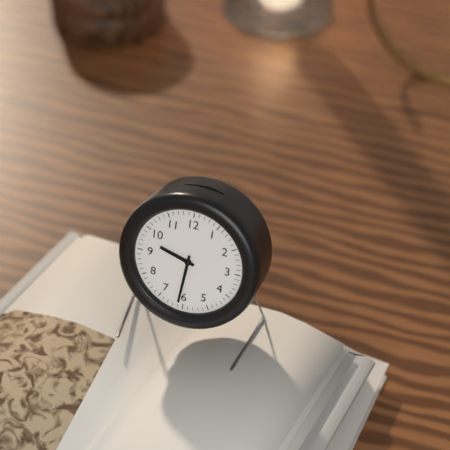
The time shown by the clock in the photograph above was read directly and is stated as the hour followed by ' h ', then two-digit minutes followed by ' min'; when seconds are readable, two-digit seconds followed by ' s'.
9 h 31 min
